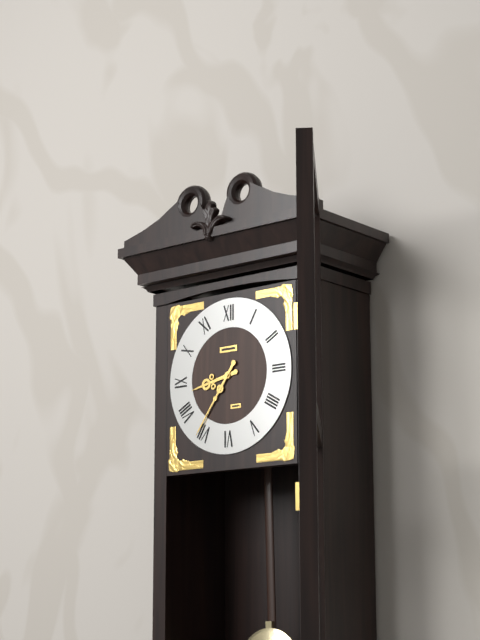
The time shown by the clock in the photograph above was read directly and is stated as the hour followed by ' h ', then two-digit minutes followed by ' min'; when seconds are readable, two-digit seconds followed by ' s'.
8 h 36 min
